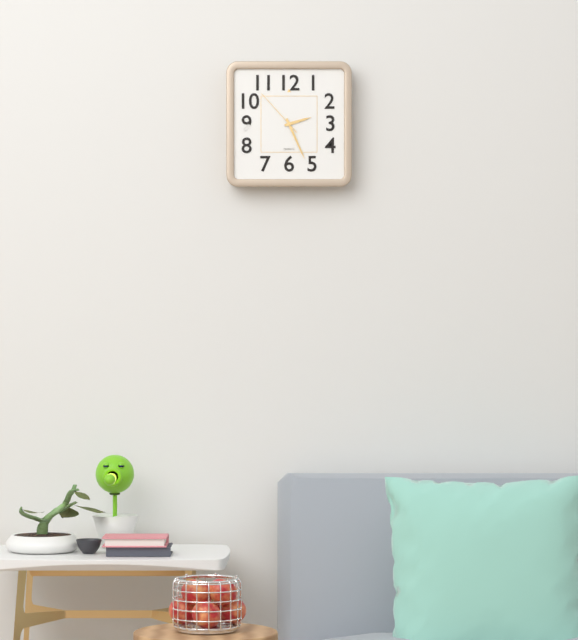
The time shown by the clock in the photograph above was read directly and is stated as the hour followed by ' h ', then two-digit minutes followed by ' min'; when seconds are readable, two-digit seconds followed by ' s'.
2 h 26 min 53 s
